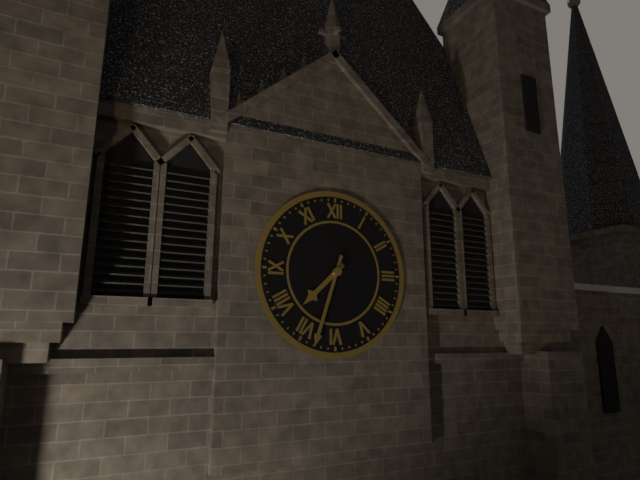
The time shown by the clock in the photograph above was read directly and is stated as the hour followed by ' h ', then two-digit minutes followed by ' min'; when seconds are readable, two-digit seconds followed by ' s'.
7 h 33 min
